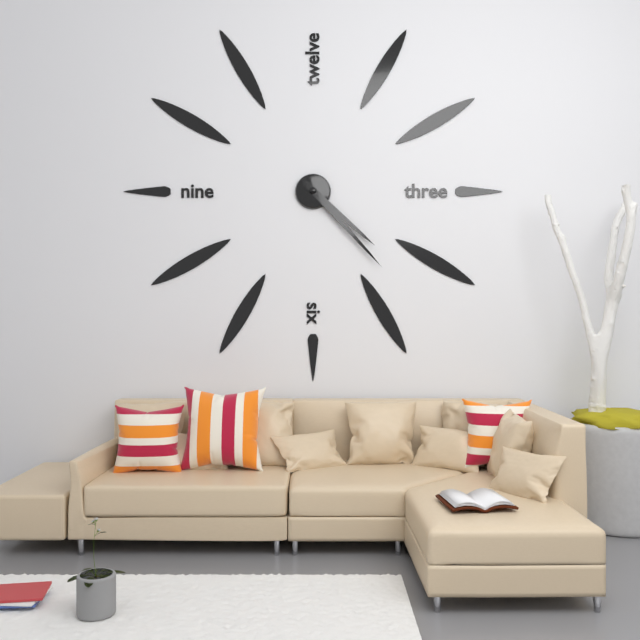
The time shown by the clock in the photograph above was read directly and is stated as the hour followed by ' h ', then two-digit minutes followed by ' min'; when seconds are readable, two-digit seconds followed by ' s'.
4 h 23 min
